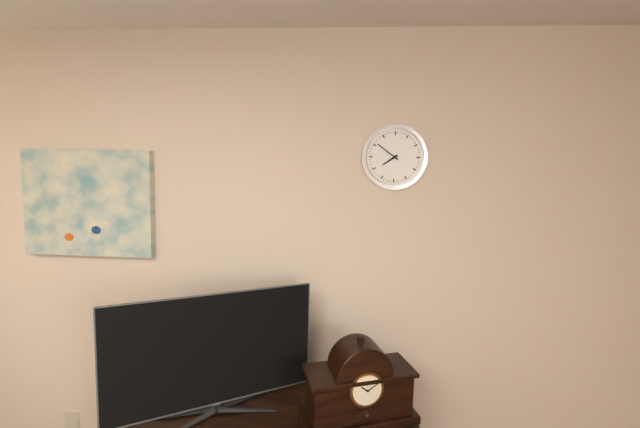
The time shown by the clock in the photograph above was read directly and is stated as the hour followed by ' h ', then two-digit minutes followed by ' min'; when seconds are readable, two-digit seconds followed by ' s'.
7 h 51 min
